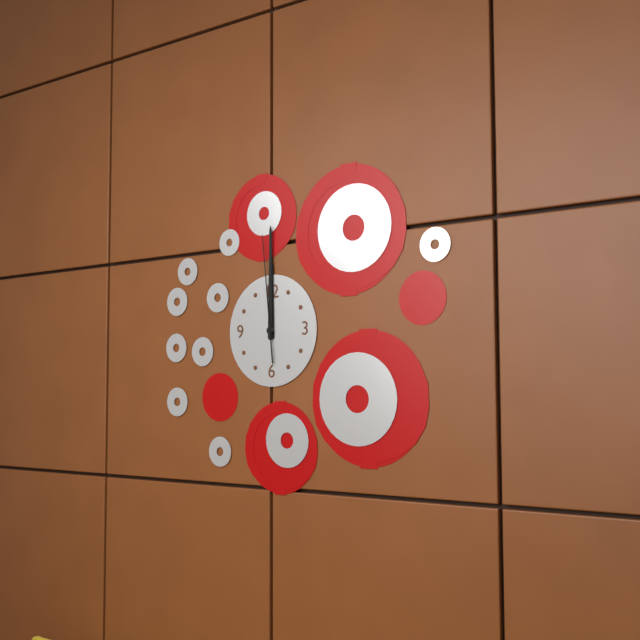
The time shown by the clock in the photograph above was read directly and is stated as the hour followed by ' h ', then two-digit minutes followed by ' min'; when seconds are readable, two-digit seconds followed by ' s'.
12 h 00 min 59 s
